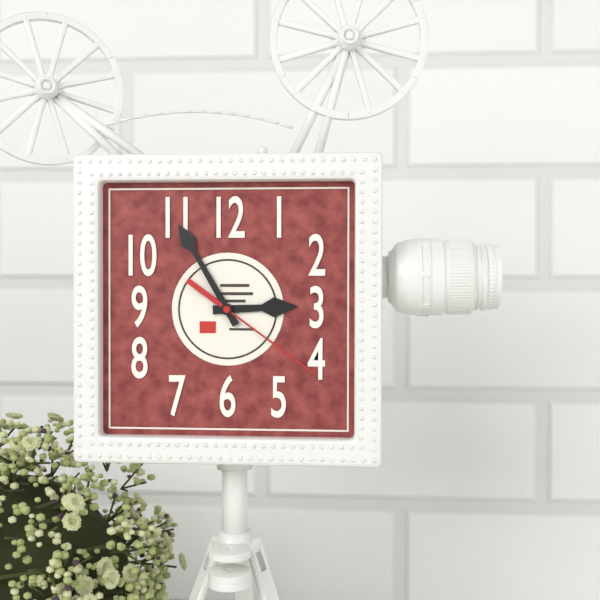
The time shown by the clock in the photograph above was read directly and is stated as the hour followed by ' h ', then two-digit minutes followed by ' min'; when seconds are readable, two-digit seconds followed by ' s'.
2 h 55 min 21 s
